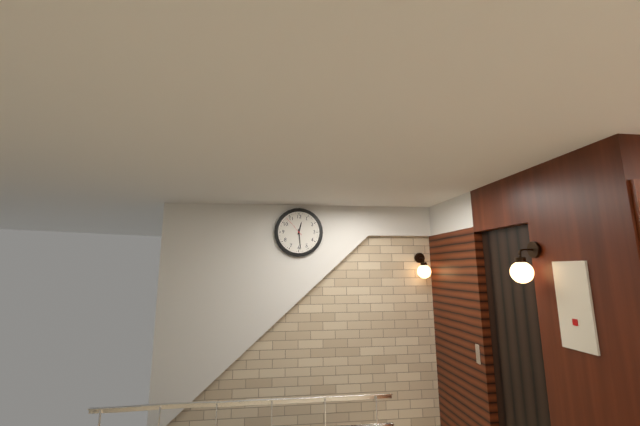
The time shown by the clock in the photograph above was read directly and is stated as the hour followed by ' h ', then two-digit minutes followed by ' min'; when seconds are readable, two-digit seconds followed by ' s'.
12 h 29 min
